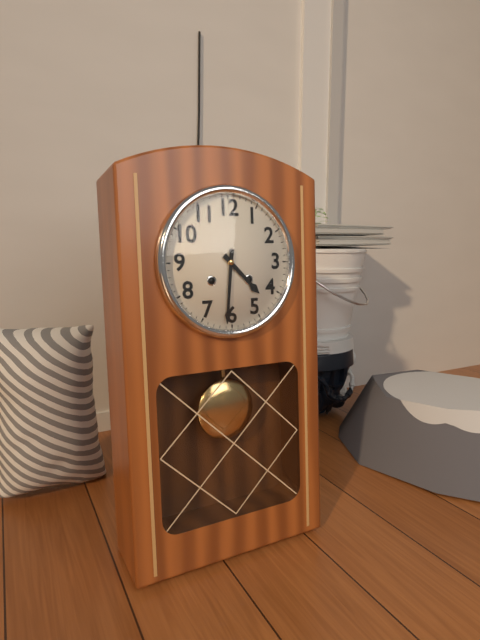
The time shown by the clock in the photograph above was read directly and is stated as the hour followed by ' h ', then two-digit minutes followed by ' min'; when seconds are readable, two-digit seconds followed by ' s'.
4 h 31 min
